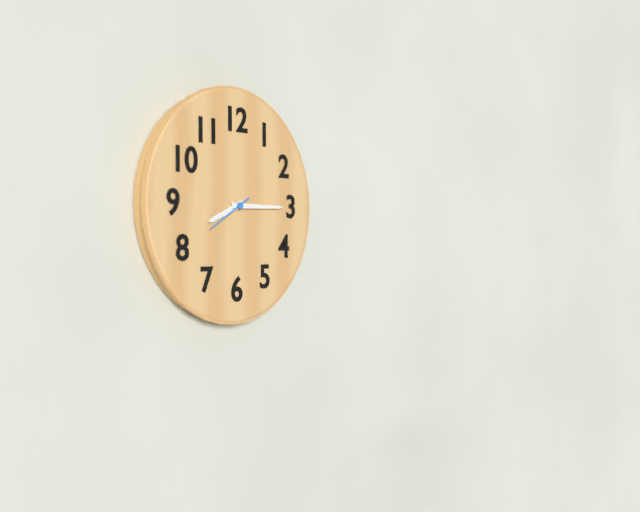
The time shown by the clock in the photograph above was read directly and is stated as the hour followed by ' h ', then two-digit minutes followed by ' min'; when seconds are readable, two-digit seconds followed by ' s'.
8 h 15 min
